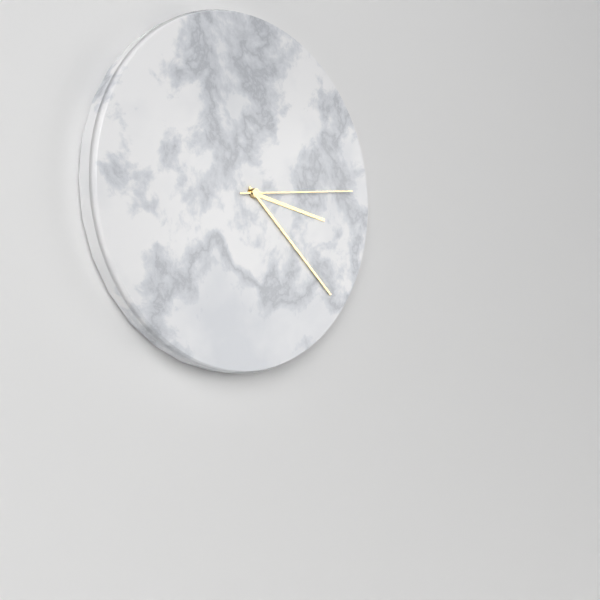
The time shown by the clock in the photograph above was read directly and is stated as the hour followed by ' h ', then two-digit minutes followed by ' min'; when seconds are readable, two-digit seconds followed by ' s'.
3 h 22 min 14 s
